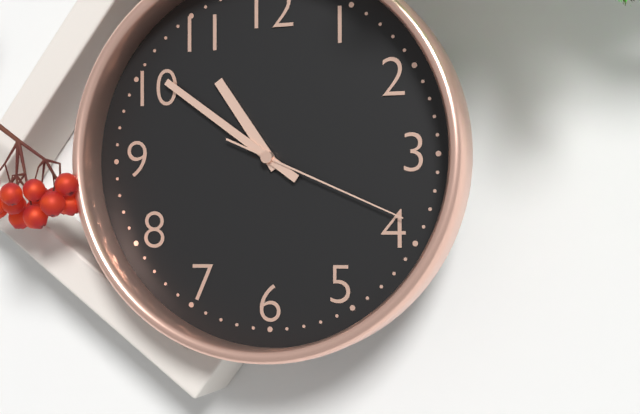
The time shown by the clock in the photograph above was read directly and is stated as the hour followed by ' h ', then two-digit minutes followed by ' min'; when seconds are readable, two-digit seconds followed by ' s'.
10 h 51 min 19 s
